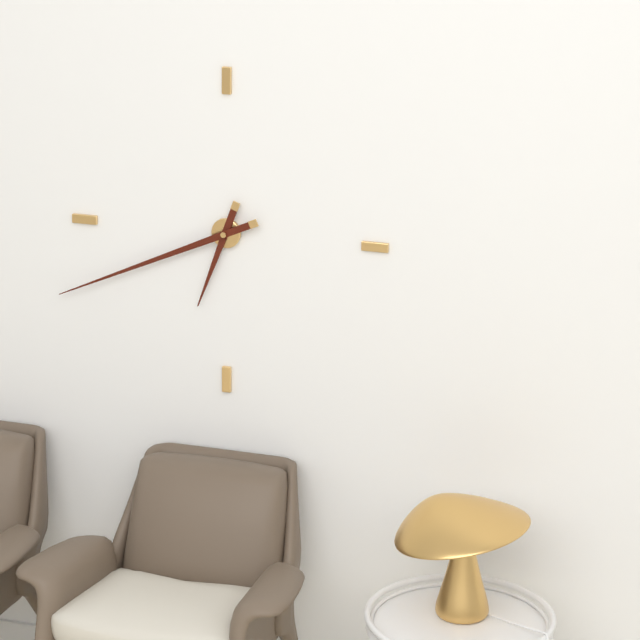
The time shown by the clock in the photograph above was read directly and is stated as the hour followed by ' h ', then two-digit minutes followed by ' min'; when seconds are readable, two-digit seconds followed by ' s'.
6 h 41 min
